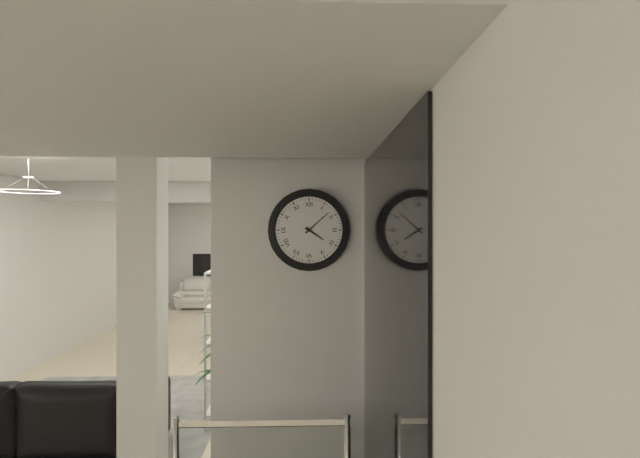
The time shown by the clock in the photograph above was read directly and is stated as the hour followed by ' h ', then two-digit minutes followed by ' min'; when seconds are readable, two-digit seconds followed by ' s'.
4 h 08 min
